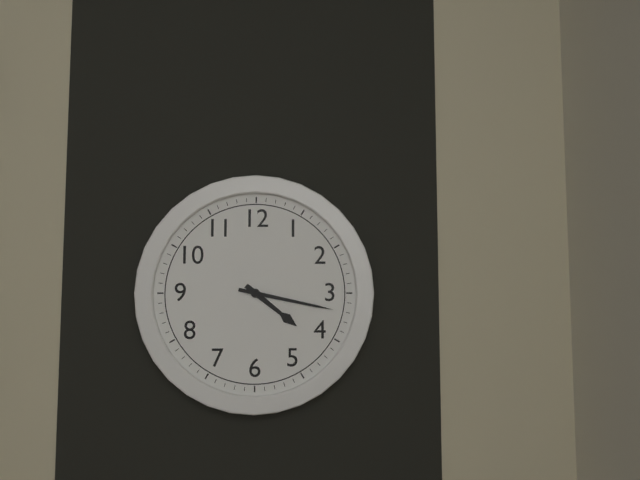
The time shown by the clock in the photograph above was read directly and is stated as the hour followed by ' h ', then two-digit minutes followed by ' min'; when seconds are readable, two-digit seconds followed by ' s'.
4 h 17 min
